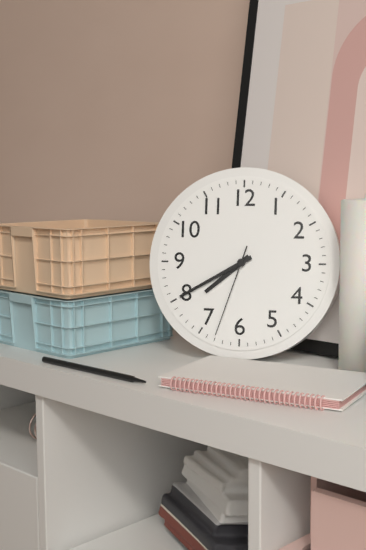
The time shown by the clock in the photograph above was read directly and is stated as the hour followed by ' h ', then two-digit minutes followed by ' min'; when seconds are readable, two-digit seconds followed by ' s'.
7 h 40 min 33 s
